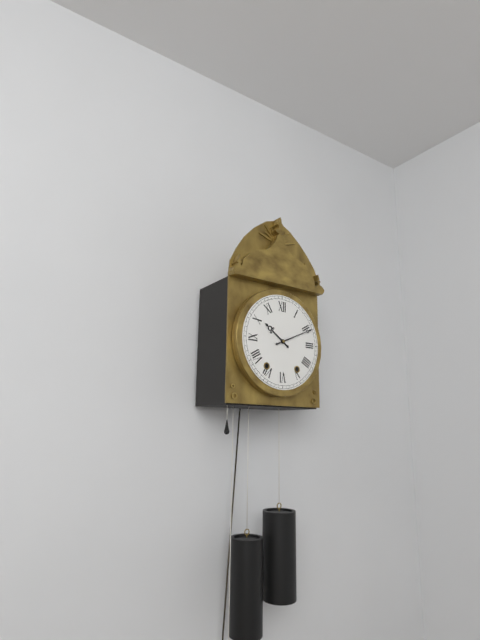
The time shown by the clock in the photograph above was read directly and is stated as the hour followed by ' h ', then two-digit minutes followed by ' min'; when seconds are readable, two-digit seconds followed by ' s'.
10 h 11 min
